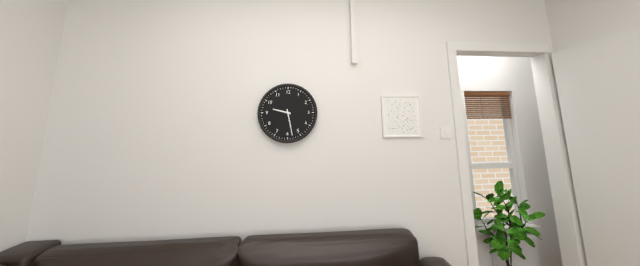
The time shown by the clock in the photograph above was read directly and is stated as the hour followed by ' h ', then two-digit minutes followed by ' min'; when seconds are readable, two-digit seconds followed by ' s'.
9 h 28 min
